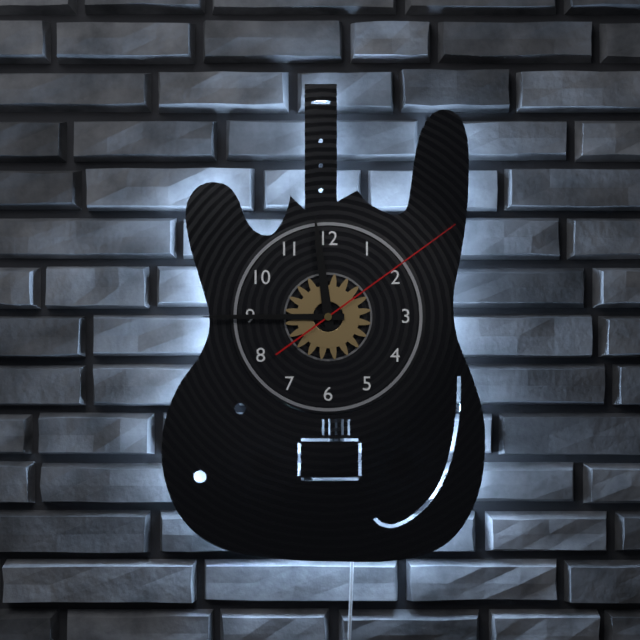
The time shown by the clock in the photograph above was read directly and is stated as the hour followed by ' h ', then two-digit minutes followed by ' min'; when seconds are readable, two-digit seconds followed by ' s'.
11 h 45 min 09 s
